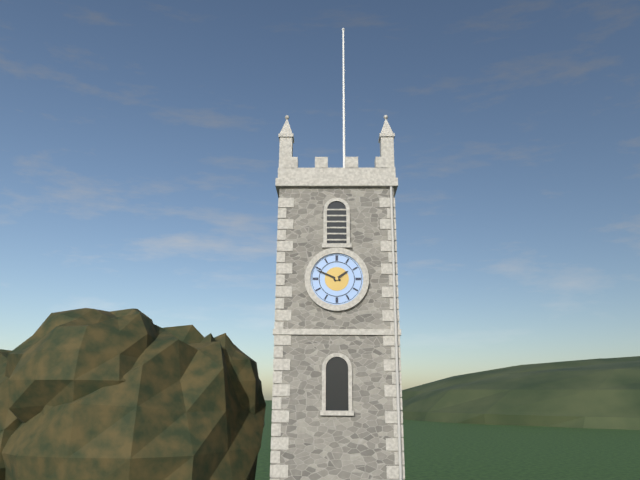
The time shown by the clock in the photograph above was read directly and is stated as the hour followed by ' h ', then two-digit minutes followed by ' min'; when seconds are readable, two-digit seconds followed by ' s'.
1 h 49 min
